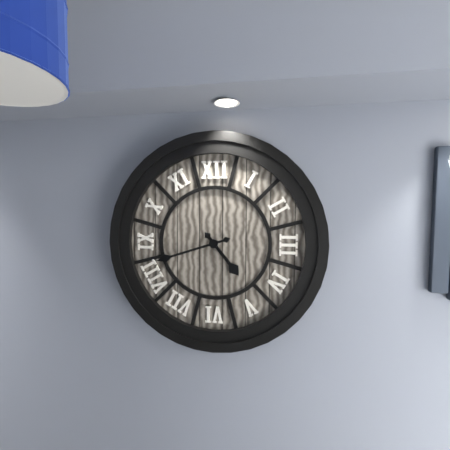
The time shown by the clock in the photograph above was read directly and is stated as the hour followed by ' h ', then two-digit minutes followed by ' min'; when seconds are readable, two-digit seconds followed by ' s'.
4 h 42 min
